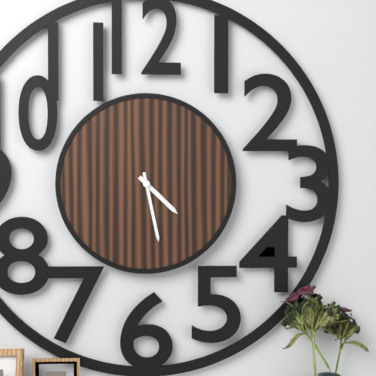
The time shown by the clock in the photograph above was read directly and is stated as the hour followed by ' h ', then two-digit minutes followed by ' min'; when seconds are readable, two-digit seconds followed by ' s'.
4 h 28 min
